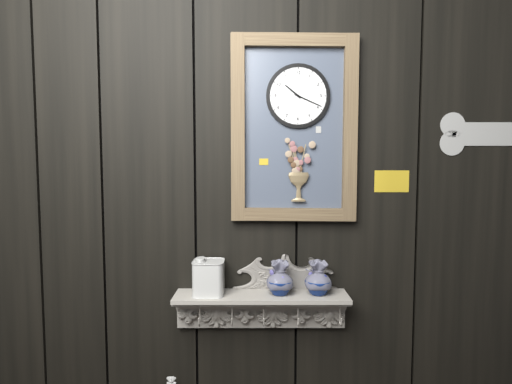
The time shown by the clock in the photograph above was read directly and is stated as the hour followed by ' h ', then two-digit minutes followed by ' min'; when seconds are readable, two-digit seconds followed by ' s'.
10 h 19 min
